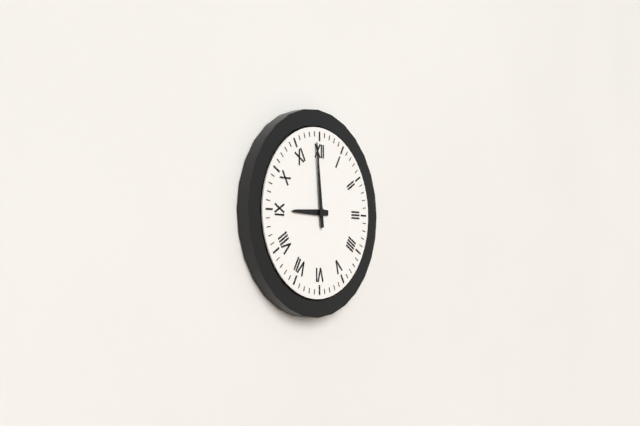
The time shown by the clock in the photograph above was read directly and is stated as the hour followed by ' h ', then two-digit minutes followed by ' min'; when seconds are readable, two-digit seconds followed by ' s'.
8 h 59 min
